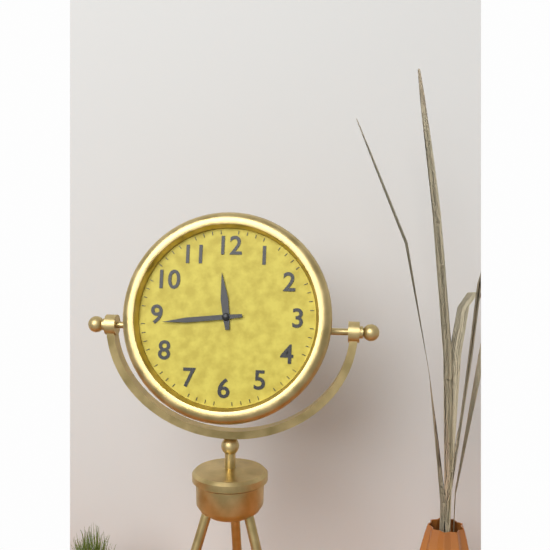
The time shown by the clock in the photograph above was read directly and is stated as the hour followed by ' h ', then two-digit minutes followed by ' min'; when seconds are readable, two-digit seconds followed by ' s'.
11 h 44 min
